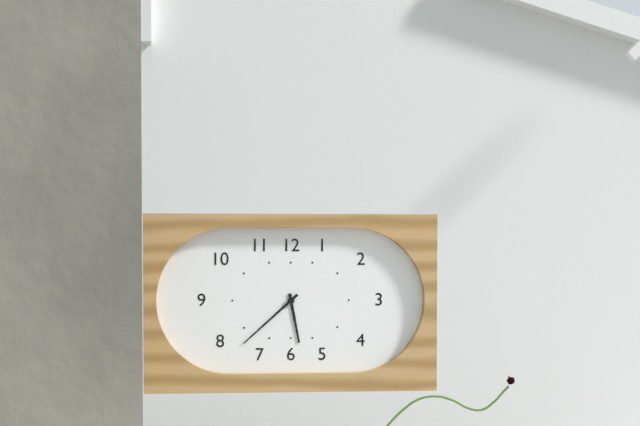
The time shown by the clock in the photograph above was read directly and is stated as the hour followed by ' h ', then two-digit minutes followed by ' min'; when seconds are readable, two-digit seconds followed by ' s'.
5 h 38 min
